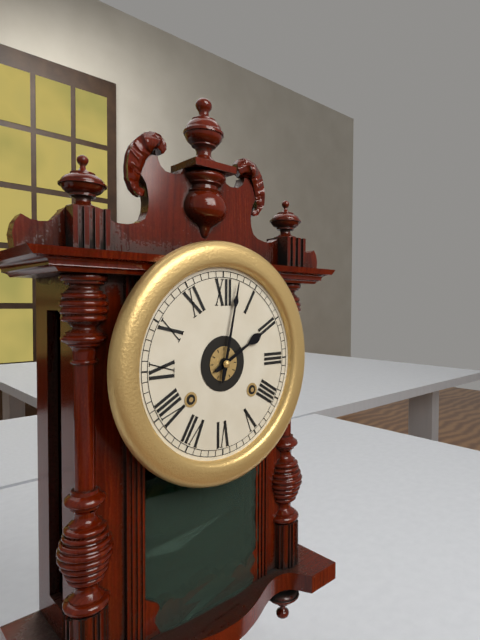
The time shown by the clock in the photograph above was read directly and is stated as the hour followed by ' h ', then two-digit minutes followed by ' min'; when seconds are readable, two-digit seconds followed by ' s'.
2 h 02 min
